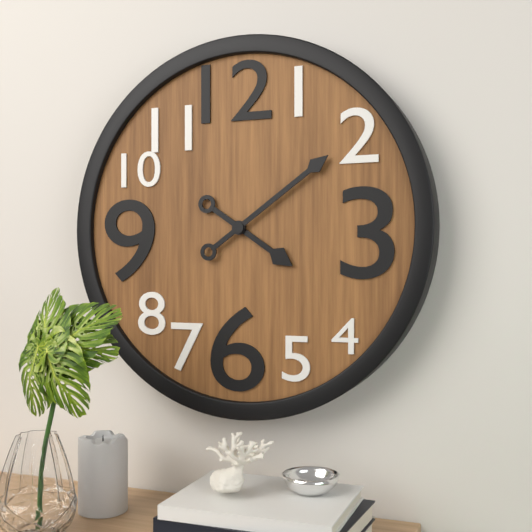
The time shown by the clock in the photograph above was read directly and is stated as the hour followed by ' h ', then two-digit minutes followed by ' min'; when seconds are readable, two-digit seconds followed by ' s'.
4 h 09 min
